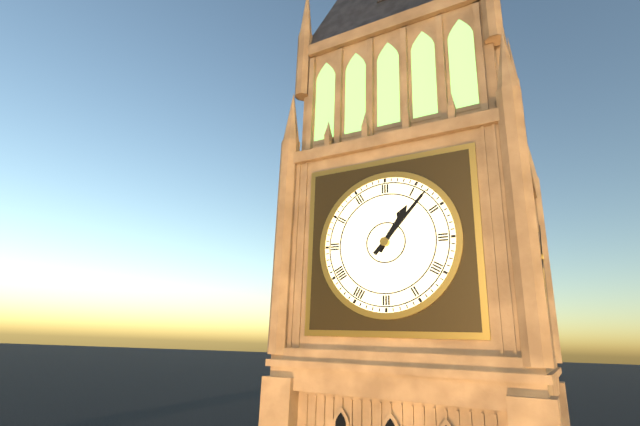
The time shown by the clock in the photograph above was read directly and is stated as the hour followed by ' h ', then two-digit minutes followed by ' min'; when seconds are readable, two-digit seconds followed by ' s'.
1 h 07 min
